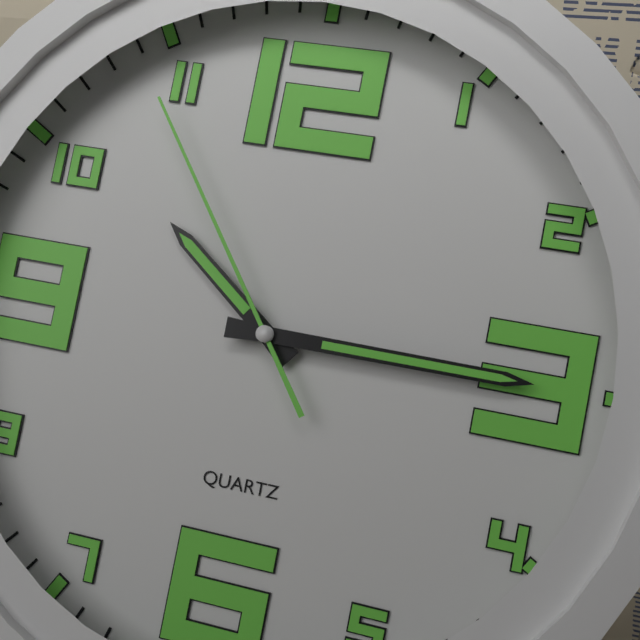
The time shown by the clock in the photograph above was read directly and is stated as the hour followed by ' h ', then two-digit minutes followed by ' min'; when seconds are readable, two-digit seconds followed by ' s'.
10 h 15 min 54 s
